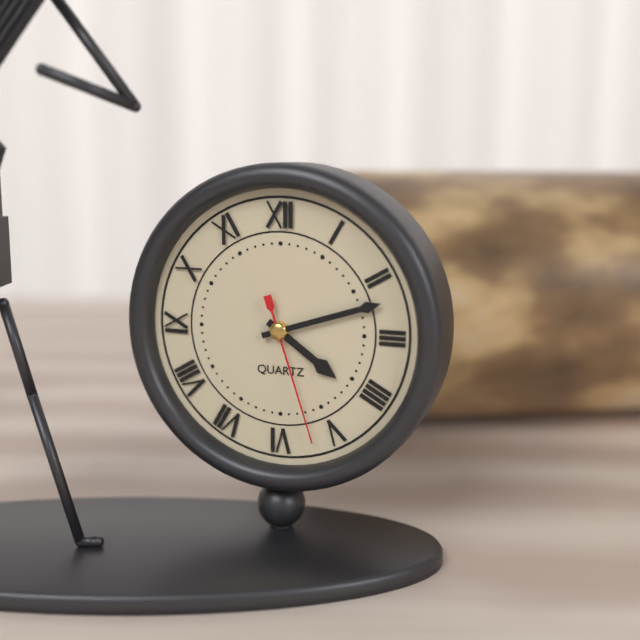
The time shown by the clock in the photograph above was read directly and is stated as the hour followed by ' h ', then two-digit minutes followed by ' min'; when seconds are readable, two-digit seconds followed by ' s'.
4 h 12 min 27 s
